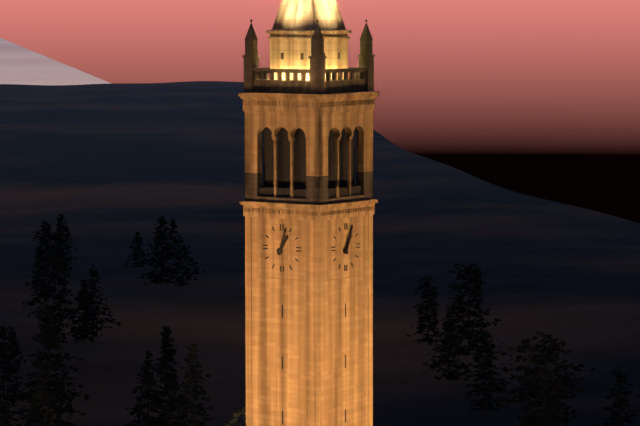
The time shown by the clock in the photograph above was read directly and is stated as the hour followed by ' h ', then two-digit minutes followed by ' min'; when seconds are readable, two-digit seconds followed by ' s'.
1 h 03 min
